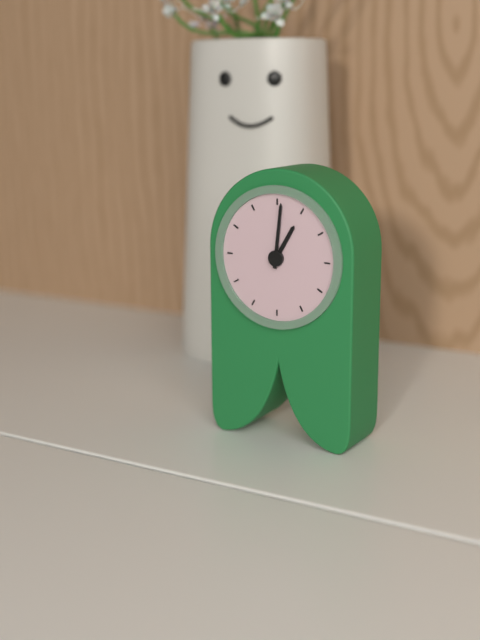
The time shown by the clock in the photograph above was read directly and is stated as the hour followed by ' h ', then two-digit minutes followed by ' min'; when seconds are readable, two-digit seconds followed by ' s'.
1 h 01 min
